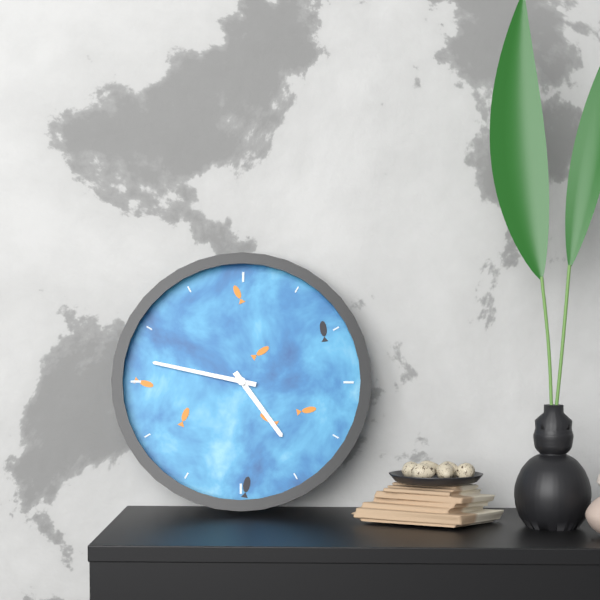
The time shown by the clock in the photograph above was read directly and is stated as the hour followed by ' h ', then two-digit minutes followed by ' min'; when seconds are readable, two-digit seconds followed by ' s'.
4 h 47 min
